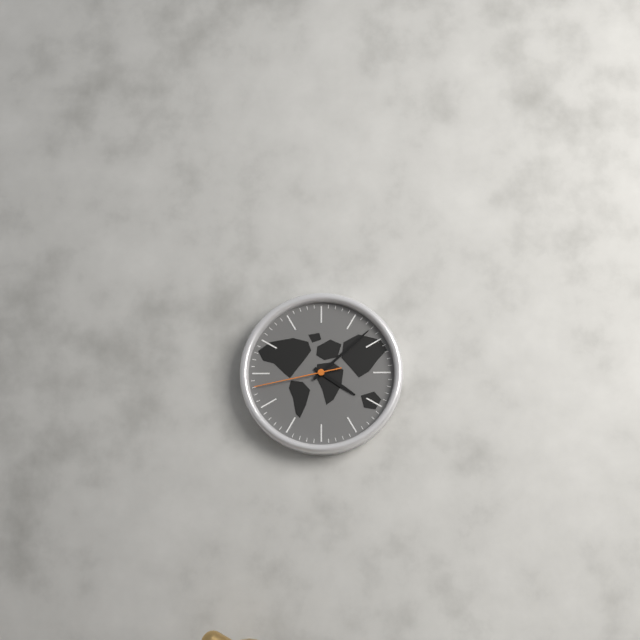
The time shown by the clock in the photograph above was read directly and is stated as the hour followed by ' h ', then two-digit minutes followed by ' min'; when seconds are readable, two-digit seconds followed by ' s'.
4 h 08 min 43 s
